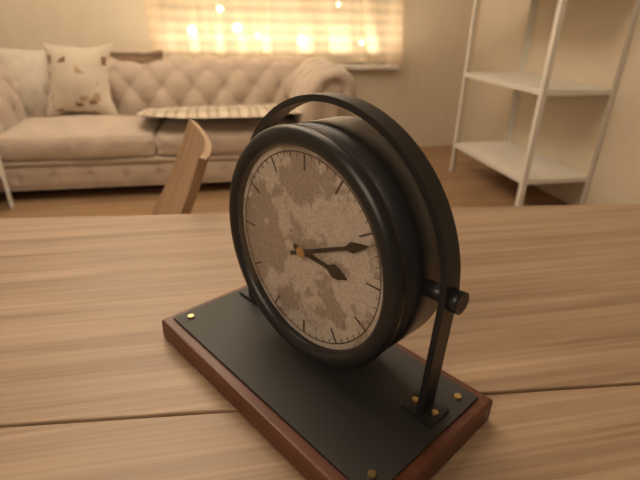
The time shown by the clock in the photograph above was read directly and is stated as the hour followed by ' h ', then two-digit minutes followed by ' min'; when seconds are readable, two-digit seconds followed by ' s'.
3 h 11 min
